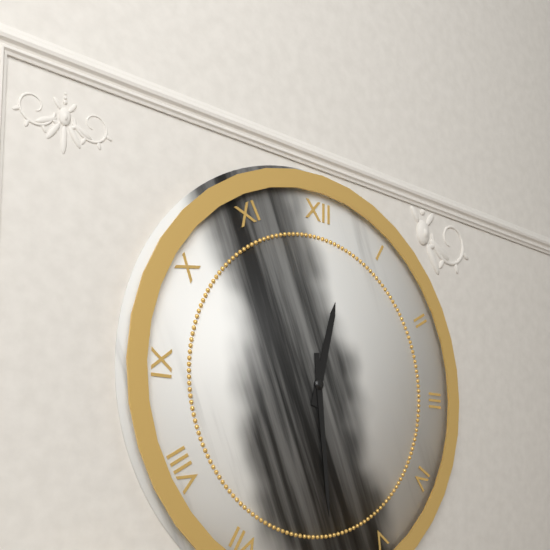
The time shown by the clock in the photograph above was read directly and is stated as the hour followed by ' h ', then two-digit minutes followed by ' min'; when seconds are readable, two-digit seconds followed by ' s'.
12 h 29 min
